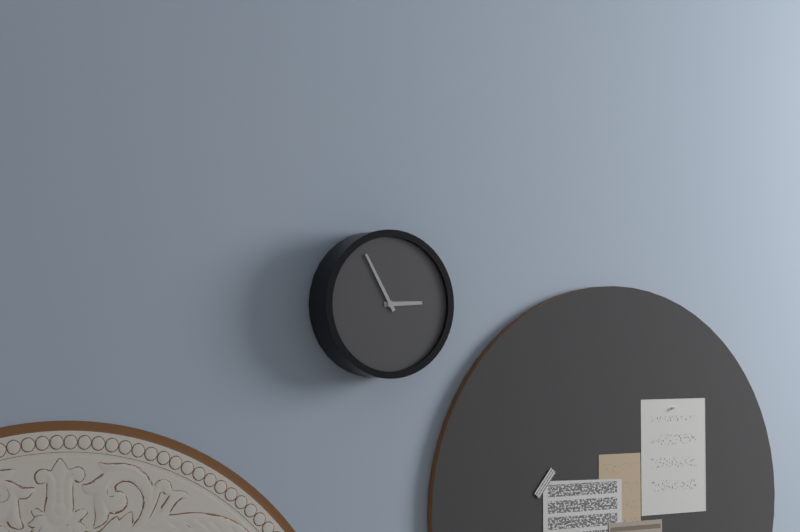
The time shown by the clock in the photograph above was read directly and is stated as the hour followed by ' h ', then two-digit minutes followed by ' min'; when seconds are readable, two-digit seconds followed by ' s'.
2 h 55 min
